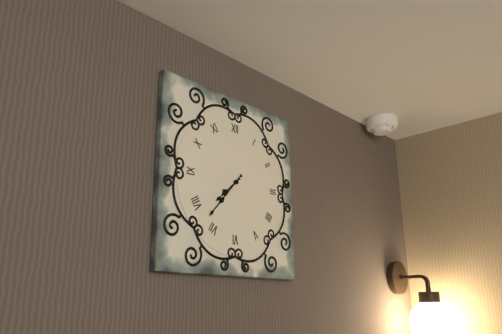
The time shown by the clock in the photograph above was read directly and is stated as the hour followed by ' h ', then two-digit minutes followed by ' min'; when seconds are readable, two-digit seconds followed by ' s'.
7 h 37 min
